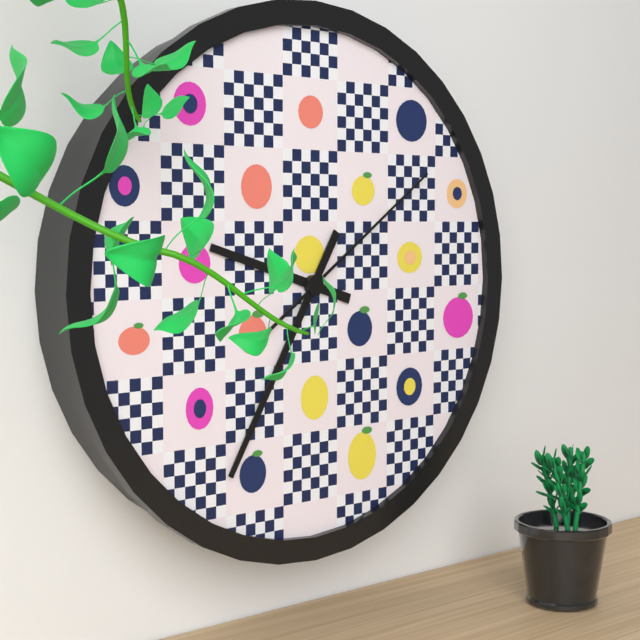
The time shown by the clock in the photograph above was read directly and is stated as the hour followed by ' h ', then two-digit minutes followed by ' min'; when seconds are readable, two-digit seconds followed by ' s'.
9 h 35 min 09 s
